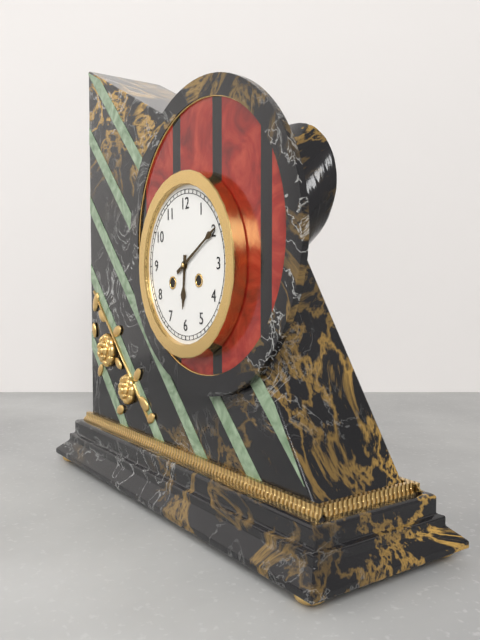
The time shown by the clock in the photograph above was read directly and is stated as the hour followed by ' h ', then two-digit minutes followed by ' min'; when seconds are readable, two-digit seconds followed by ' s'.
6 h 10 min
